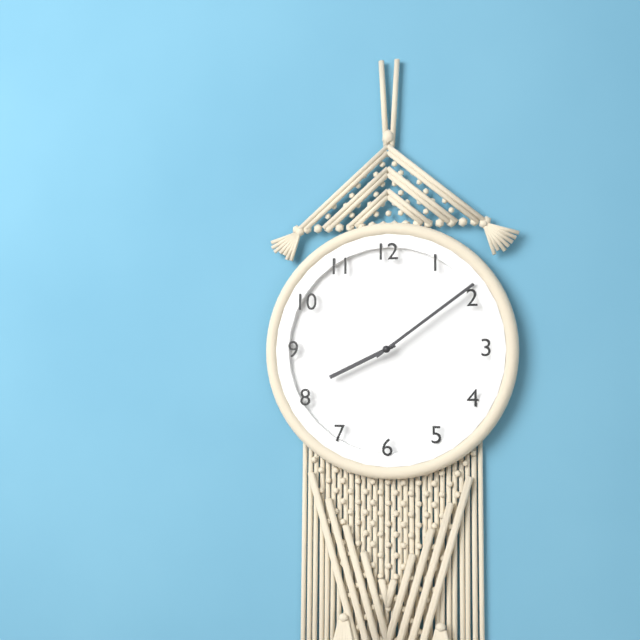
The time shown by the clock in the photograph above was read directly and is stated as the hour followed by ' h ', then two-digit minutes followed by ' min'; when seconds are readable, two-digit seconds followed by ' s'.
8 h 09 min
